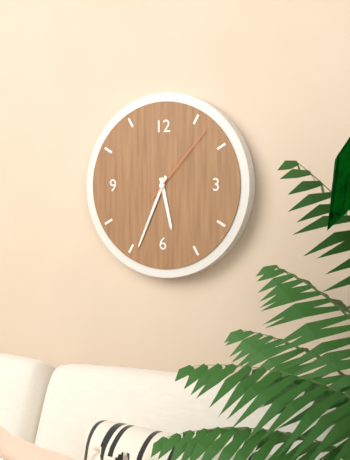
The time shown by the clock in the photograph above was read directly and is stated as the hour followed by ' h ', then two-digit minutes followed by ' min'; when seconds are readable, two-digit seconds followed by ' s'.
5 h 34 min 07 s
